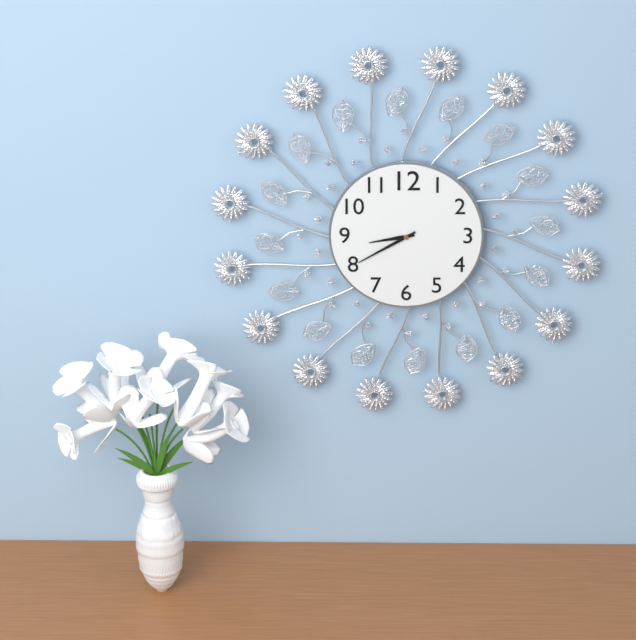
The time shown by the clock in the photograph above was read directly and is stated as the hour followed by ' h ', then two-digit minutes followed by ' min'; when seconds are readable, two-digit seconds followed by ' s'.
8 h 40 min
